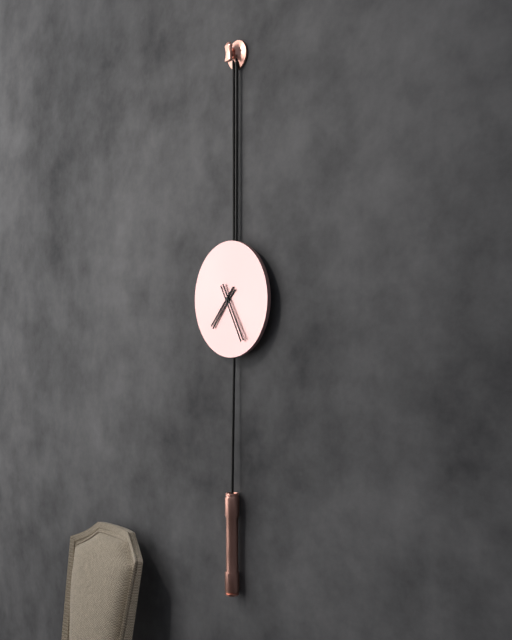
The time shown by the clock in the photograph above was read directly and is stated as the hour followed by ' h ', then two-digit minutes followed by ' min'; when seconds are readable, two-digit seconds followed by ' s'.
7 h 25 min
